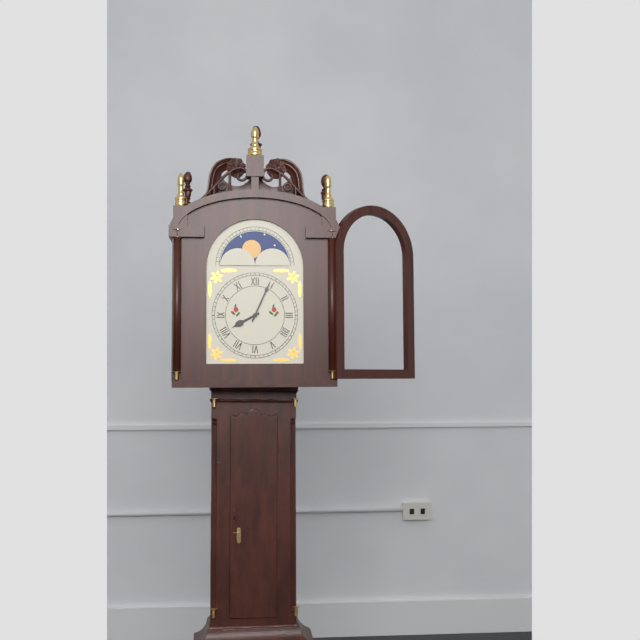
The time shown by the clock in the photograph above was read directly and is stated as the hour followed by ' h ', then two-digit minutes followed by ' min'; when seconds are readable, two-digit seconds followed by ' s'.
8 h 04 min
